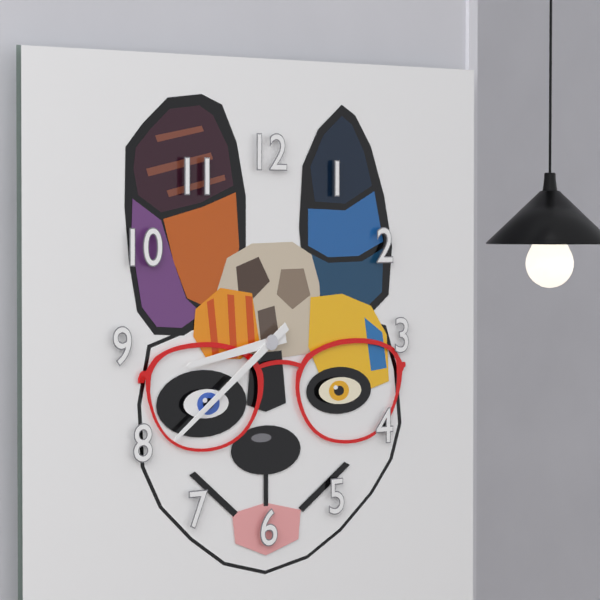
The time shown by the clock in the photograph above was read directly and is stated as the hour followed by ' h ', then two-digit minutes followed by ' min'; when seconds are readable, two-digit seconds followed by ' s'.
8 h 39 min
